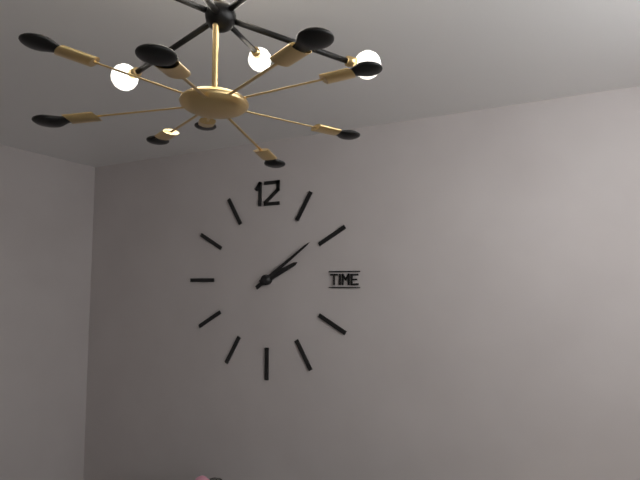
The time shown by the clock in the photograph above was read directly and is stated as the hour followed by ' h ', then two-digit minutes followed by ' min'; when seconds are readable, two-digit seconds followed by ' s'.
2 h 09 min
